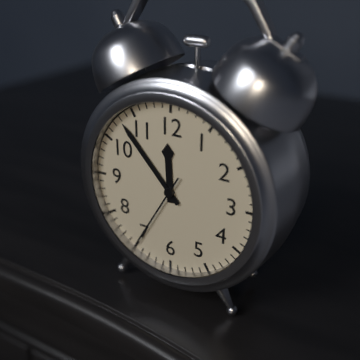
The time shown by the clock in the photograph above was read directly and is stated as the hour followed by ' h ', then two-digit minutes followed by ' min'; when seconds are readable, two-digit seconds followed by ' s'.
11 h 53 min 35 s
